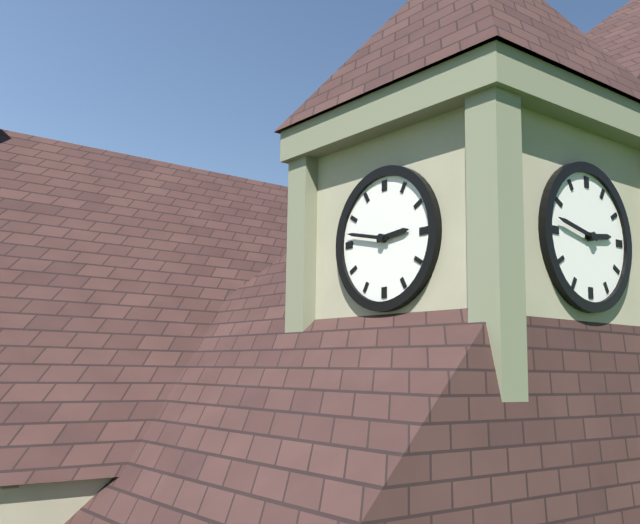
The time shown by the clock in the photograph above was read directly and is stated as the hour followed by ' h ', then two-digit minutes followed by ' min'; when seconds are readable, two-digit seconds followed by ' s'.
2 h 47 min
